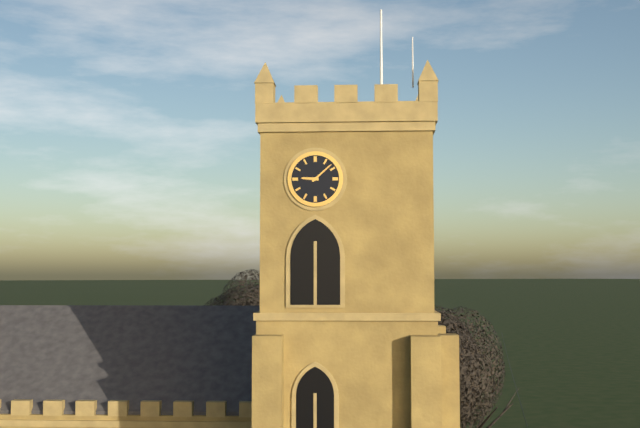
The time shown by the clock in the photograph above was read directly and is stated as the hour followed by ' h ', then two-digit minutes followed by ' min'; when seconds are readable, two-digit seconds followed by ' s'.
9 h 08 min
